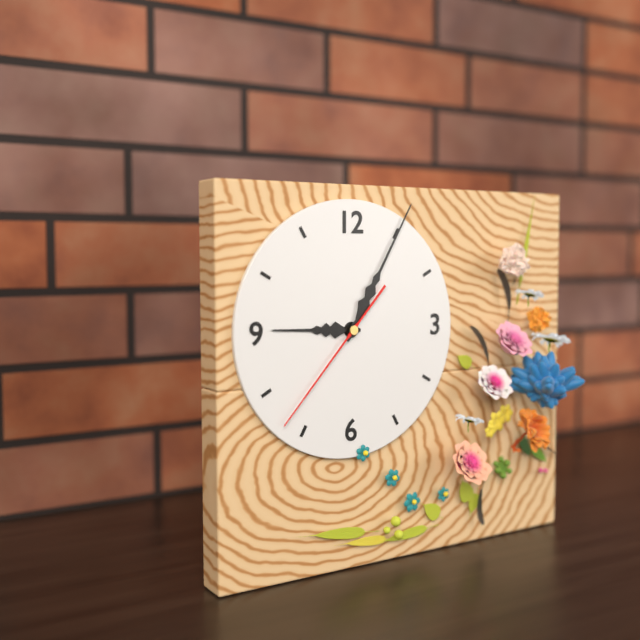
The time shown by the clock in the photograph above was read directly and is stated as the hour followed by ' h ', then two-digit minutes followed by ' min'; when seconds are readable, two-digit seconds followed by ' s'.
9 h 05 min 37 s
